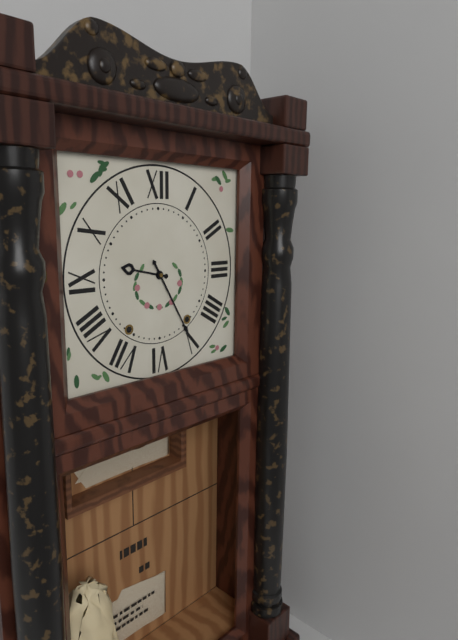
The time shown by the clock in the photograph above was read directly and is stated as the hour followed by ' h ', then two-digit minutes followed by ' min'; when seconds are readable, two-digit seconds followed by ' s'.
9 h 25 min
